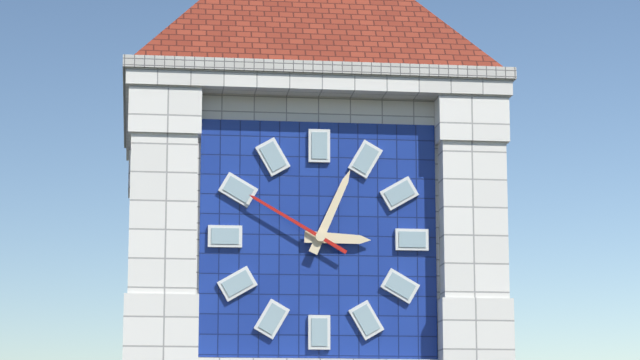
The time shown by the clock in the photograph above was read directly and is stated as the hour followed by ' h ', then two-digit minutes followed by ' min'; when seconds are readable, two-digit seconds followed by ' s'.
3 h 04 min 50 s
